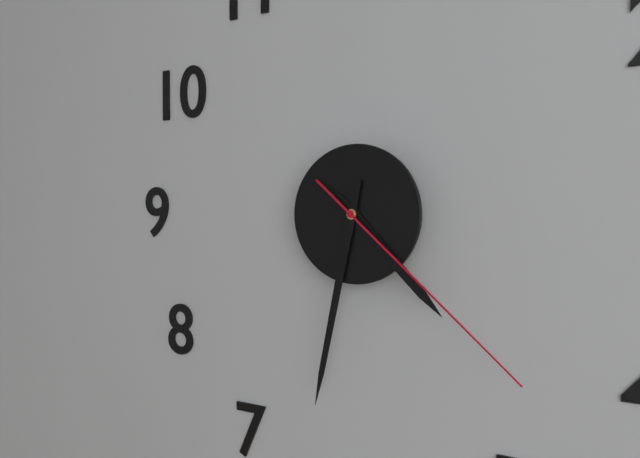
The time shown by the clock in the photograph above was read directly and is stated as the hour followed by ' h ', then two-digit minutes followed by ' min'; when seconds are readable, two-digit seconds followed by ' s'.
4 h 32 min 22 s
